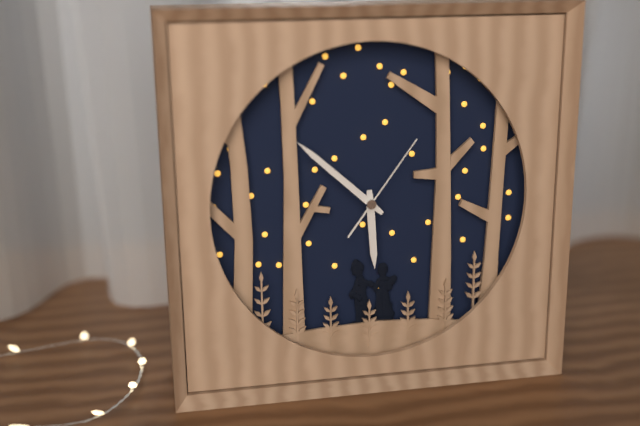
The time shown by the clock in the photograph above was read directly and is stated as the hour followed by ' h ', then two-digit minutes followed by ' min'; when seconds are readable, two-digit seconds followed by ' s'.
5 h 52 min 06 s
